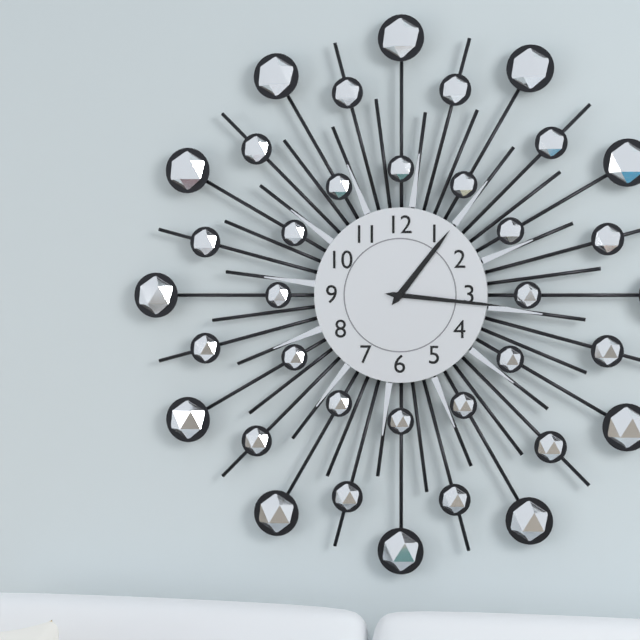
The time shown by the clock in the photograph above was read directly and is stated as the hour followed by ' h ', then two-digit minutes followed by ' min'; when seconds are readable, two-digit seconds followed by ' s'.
1 h 16 min
